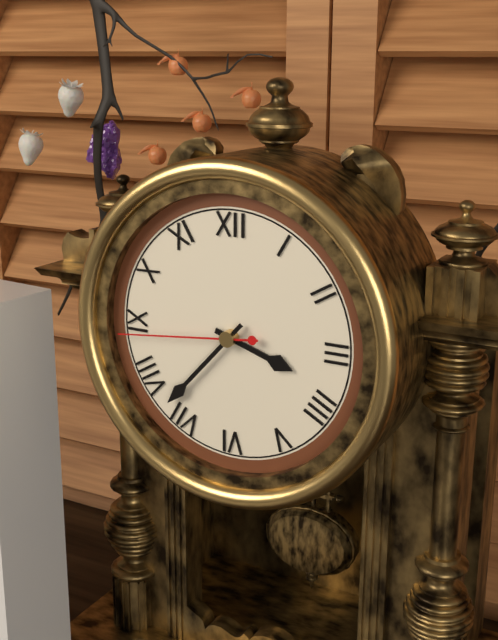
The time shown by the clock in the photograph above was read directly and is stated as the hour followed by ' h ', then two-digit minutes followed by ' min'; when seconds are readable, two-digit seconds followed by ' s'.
3 h 37 min 44 s
